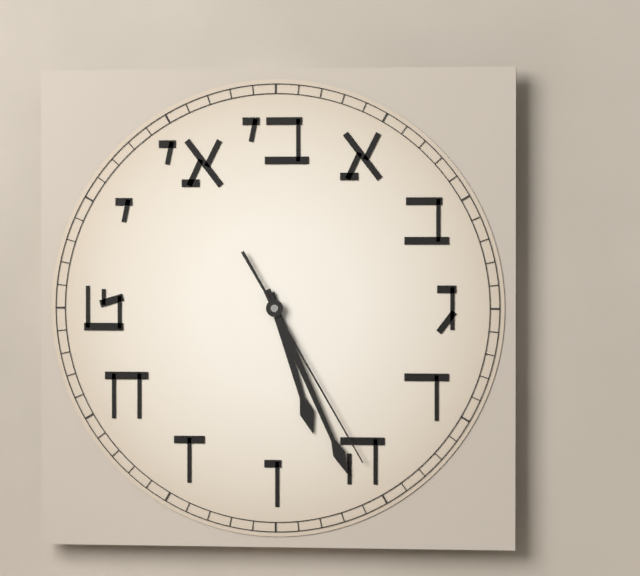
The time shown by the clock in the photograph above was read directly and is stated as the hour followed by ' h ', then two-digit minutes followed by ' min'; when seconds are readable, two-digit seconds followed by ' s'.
5 h 26 min 25 s
